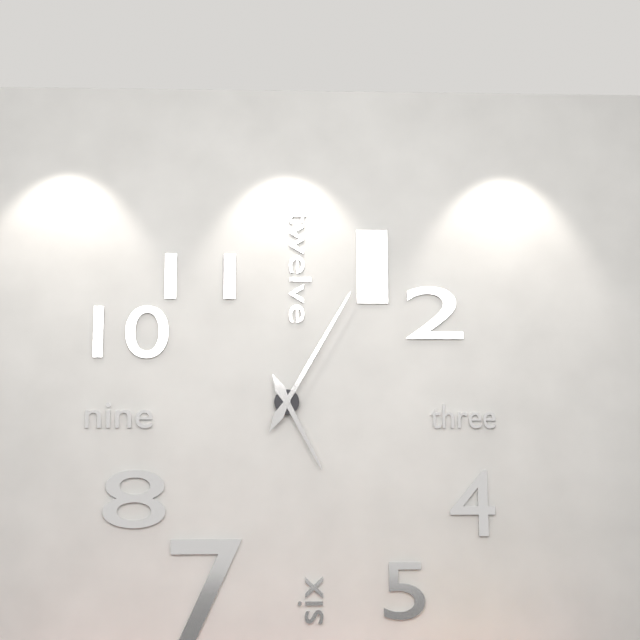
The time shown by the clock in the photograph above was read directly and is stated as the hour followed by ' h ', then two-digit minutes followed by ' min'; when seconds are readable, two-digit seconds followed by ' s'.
5 h 05 min
